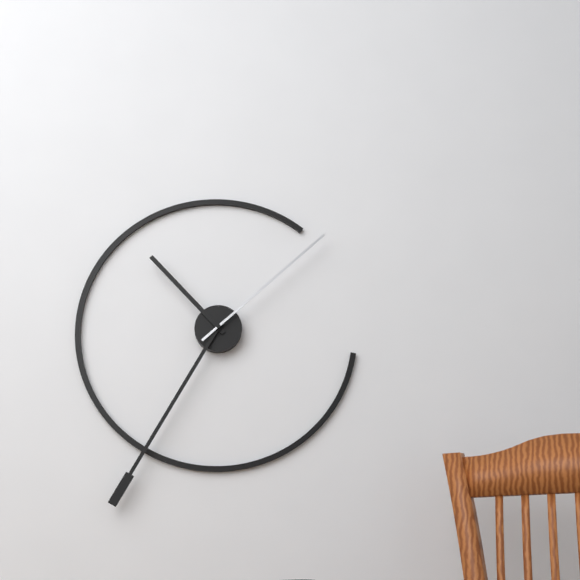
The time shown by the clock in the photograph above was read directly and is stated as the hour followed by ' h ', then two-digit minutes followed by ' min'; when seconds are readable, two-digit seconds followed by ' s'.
10 h 35 min 08 s
